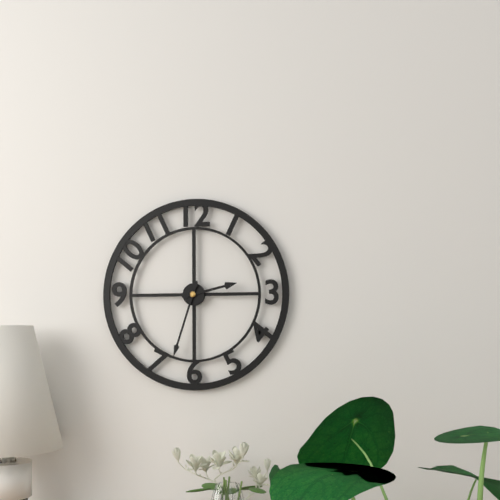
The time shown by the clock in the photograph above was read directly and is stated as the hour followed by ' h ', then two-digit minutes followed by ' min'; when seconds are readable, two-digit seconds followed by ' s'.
2 h 33 min
